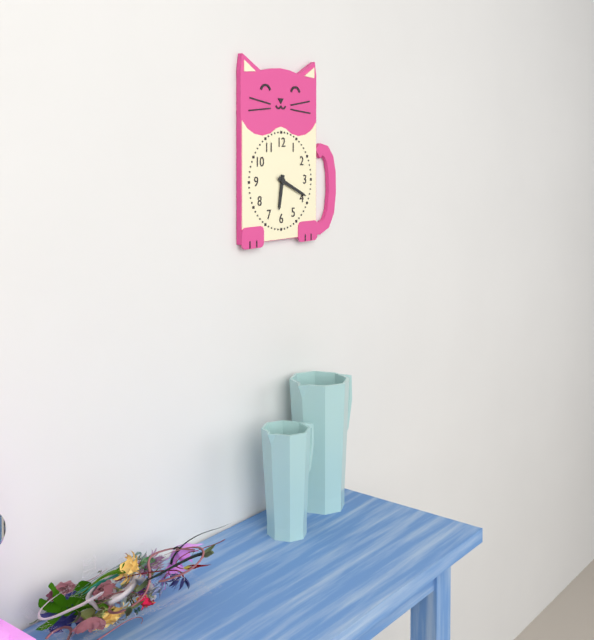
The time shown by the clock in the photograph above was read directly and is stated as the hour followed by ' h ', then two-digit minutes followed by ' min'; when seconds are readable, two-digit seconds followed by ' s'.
6 h 19 min
